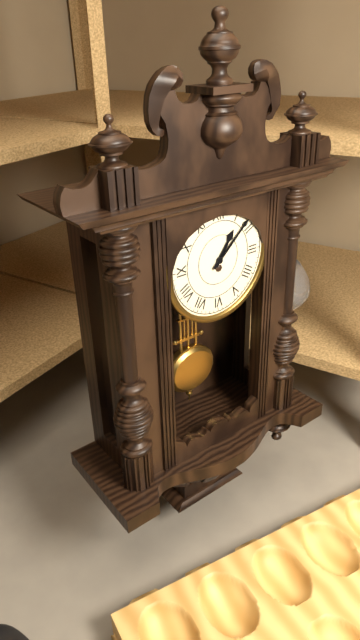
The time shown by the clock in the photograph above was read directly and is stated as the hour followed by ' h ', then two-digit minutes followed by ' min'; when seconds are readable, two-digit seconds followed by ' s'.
1 h 08 min
